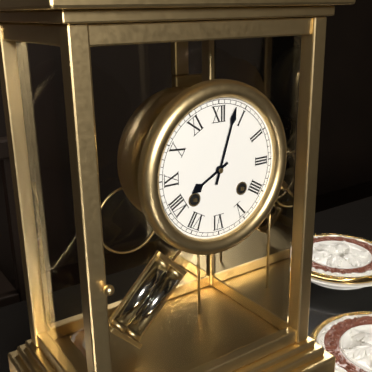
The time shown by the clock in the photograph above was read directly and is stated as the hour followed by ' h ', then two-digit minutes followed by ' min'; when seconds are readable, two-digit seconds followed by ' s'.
8 h 03 min
